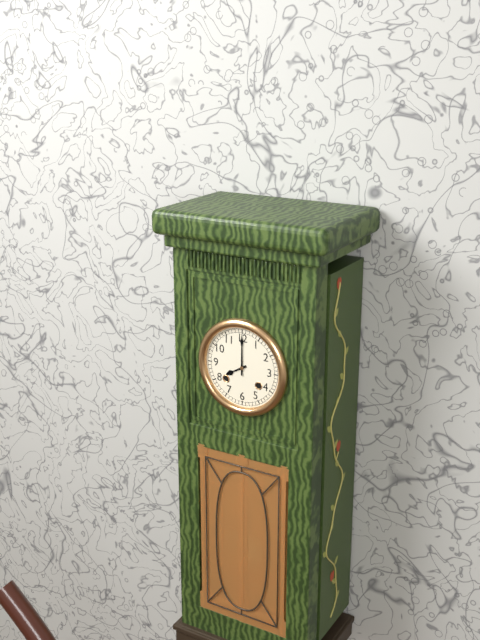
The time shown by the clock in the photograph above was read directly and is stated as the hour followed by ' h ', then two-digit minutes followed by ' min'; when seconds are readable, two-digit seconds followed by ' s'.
8 h 00 min
